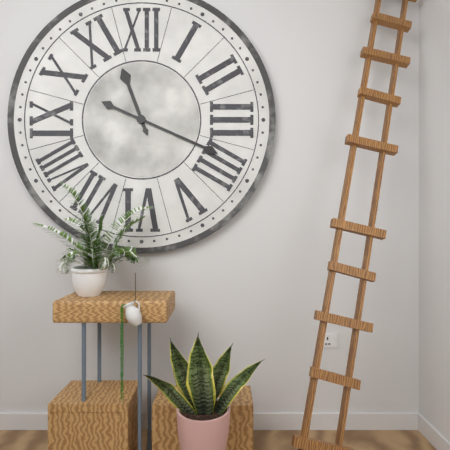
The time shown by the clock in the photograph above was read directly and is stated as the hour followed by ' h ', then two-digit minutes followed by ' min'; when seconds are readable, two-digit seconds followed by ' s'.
11 h 19 min
